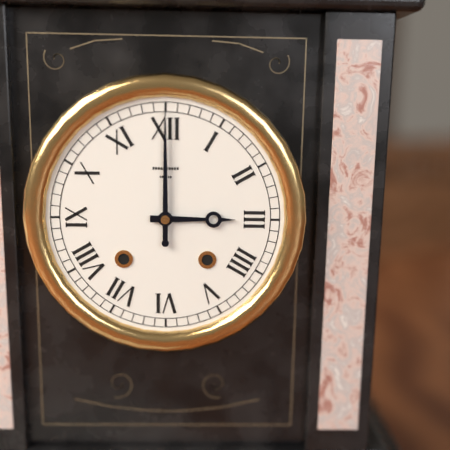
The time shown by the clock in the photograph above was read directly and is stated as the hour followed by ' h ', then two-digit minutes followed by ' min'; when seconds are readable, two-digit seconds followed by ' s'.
3 h 00 min
